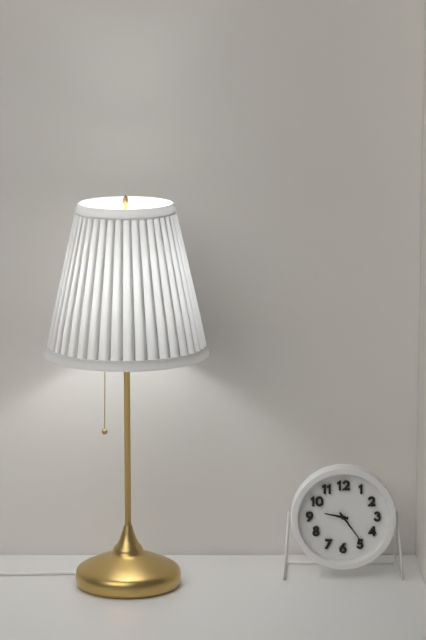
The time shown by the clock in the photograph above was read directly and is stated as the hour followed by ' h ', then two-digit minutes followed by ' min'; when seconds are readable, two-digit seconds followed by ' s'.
9 h 24 min
